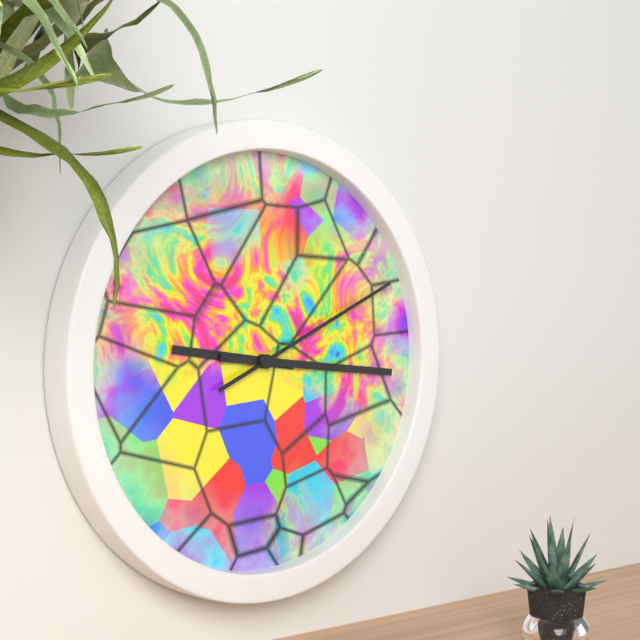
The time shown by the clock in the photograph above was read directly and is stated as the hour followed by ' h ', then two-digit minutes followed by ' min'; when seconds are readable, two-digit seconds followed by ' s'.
9 h 16 min 11 s
